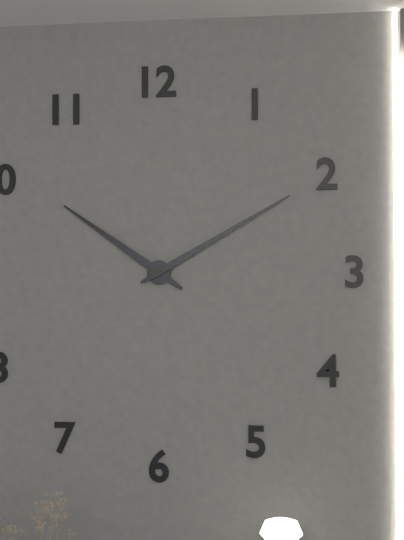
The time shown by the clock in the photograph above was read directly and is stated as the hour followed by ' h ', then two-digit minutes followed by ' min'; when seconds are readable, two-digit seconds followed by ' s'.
10 h 10 min
